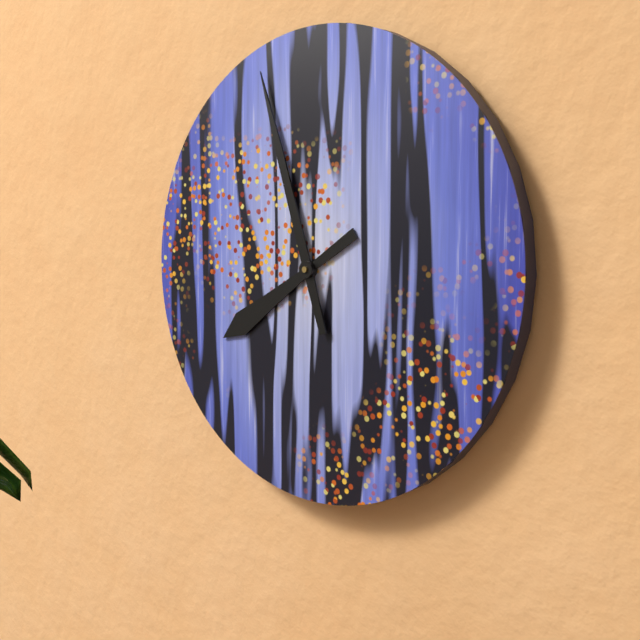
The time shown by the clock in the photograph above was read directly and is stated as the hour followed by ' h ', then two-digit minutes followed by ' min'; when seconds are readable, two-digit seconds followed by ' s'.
7 h 57 min
